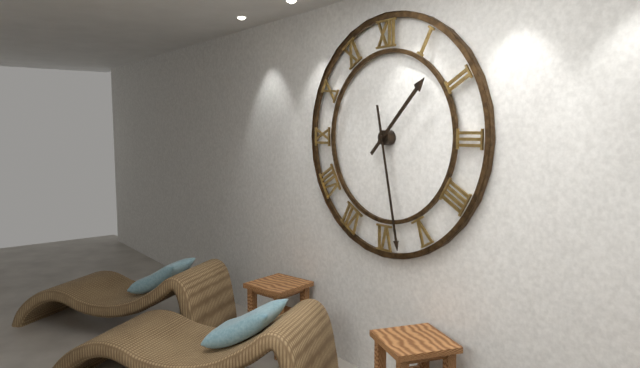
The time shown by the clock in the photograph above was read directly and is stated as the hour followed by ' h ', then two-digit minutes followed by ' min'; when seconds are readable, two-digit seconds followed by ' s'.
1 h 28 min
